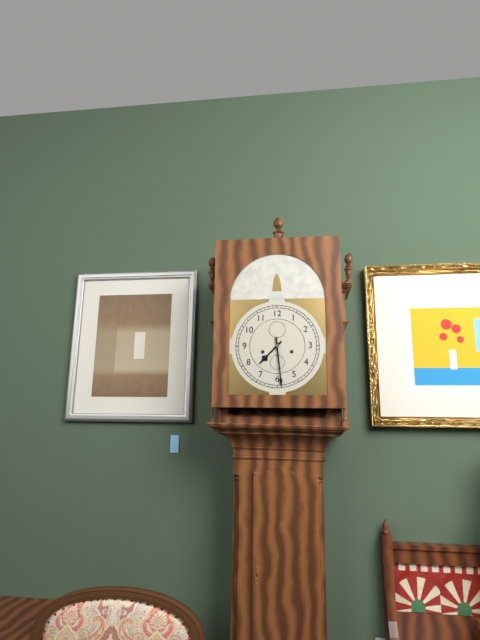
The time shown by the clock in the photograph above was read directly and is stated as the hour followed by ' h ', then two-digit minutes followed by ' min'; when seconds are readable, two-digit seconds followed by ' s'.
7 h 29 min
